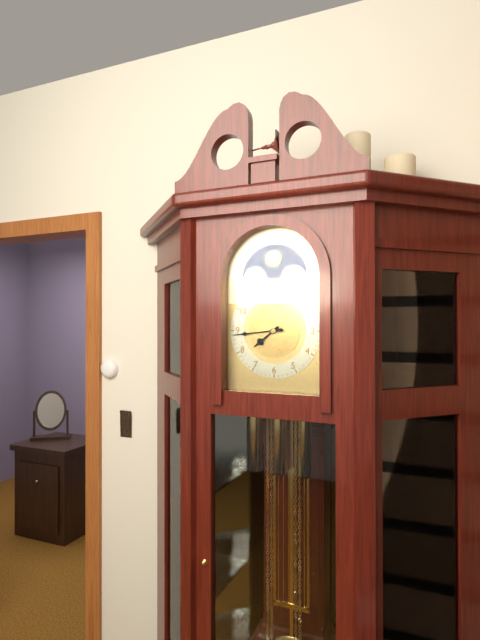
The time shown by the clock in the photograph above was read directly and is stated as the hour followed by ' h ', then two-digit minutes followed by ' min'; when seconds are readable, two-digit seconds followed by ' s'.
7 h 44 min
